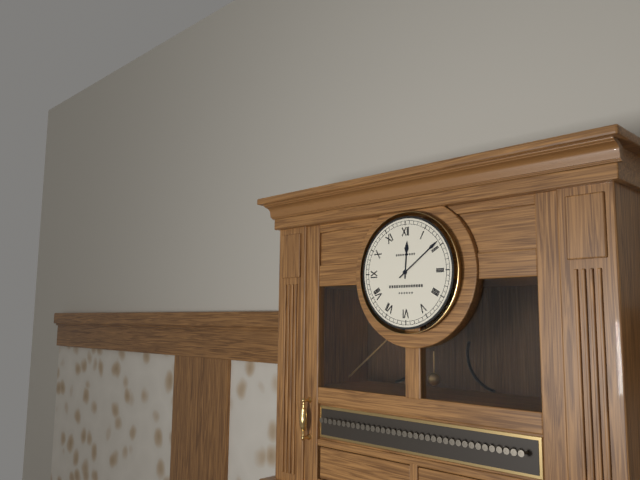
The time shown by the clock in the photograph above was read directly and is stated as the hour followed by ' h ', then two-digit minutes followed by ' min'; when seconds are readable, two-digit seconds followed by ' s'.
12 h 09 min
